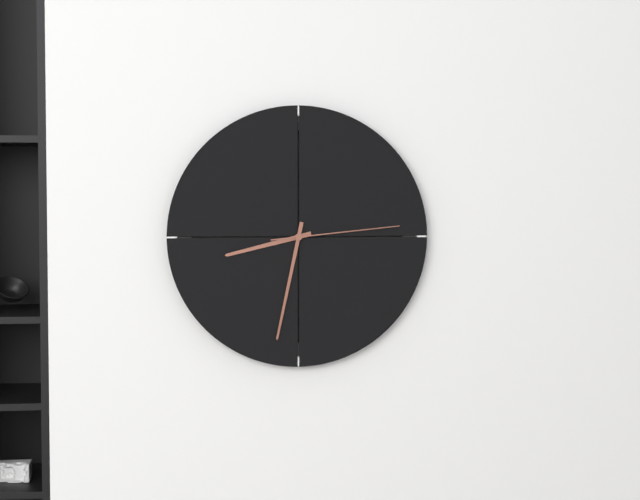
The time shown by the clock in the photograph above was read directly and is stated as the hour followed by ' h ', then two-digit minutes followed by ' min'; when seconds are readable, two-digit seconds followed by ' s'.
8 h 32 min 14 s
